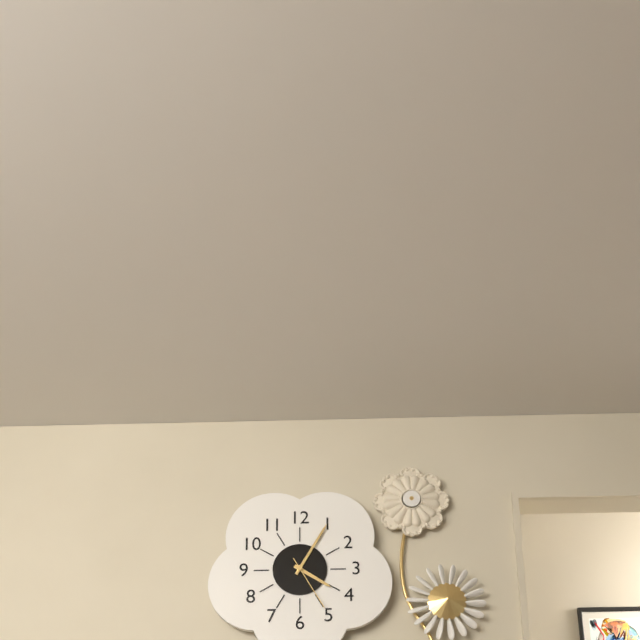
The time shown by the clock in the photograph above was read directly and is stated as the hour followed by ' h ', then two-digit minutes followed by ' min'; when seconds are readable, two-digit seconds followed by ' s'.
4 h 05 min 25 s
